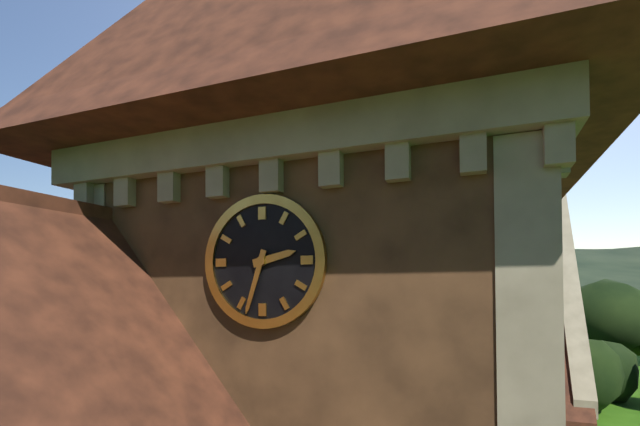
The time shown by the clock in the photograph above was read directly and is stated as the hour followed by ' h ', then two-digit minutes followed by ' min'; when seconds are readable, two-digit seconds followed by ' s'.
2 h 33 min
